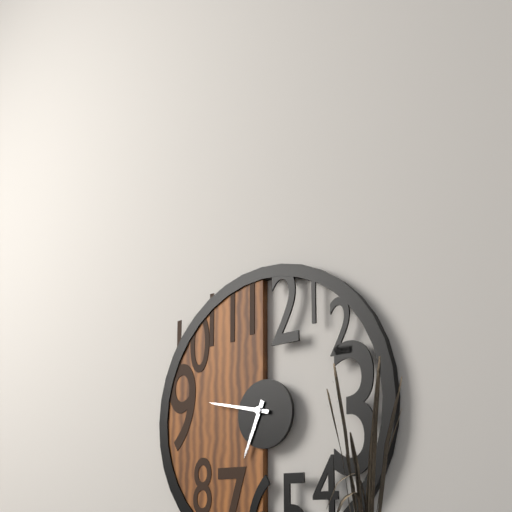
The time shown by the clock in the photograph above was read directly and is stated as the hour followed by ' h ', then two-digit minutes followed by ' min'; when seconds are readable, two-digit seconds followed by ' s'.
6 h 47 min
